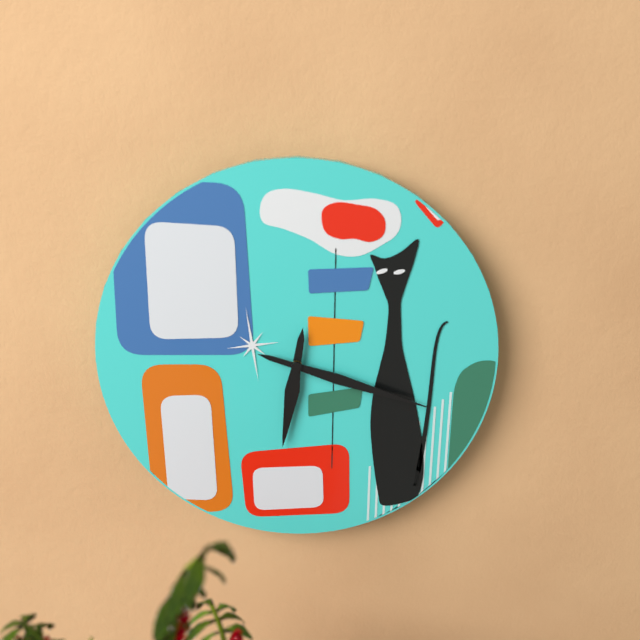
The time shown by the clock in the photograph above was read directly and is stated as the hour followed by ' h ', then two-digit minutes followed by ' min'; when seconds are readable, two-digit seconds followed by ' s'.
6 h 18 min
